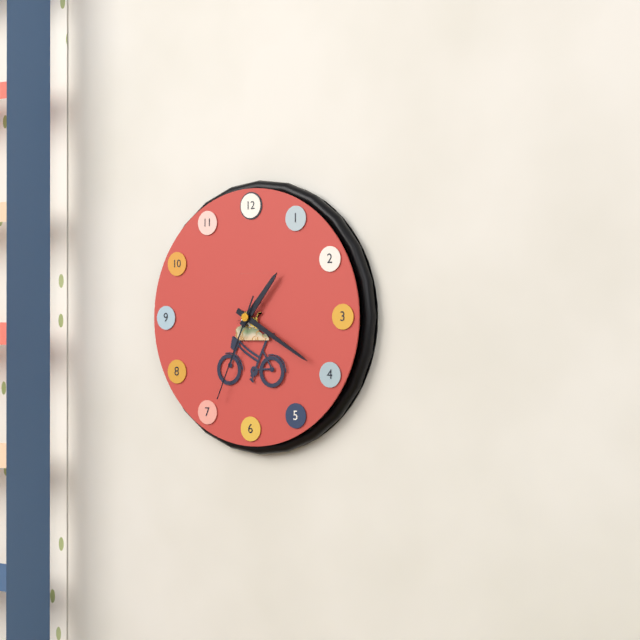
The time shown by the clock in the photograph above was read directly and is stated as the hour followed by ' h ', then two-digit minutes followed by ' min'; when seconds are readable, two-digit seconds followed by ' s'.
1 h 20 min 34 s
